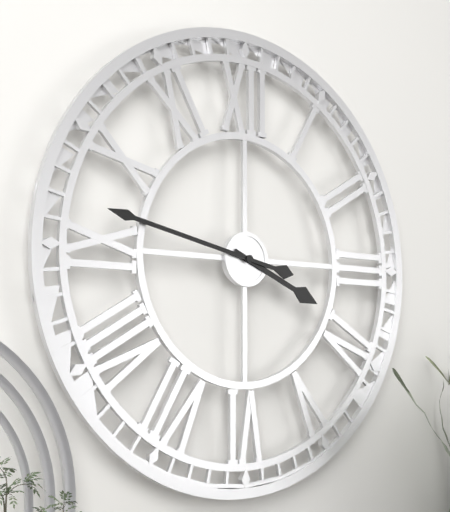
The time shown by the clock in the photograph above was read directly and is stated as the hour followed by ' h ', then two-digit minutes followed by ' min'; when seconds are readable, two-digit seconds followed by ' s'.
3 h 47 min
